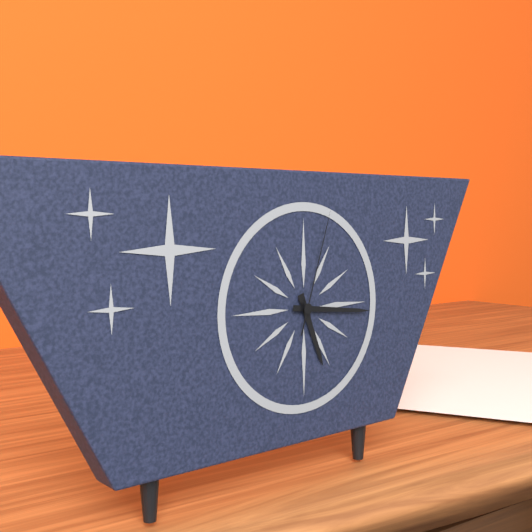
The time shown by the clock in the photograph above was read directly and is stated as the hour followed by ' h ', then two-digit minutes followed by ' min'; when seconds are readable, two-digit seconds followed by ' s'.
5 h 16 min 03 s
